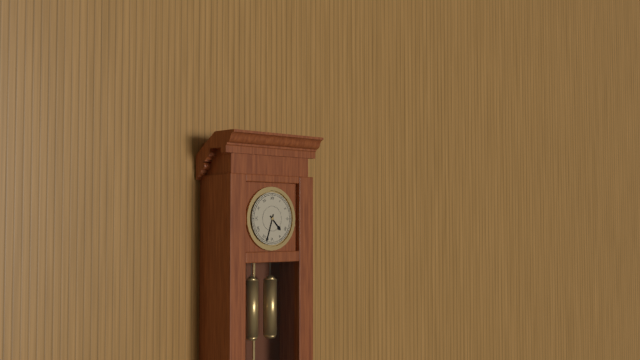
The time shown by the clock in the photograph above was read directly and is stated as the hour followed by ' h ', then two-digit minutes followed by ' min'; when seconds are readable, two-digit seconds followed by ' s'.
4 h 33 min
